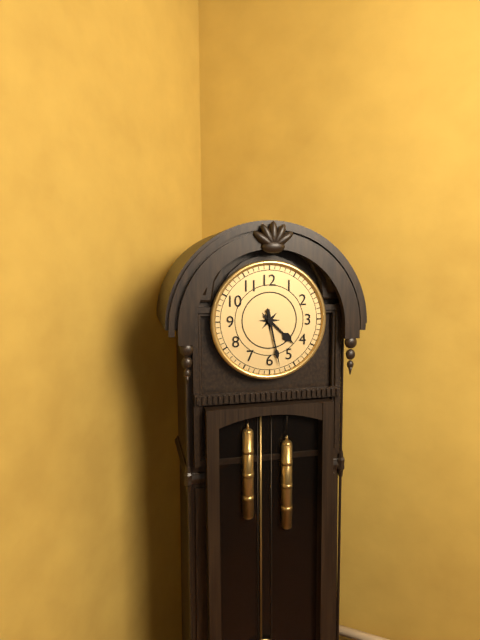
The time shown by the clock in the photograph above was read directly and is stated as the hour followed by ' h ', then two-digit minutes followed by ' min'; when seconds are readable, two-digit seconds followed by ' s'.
4 h 28 min
